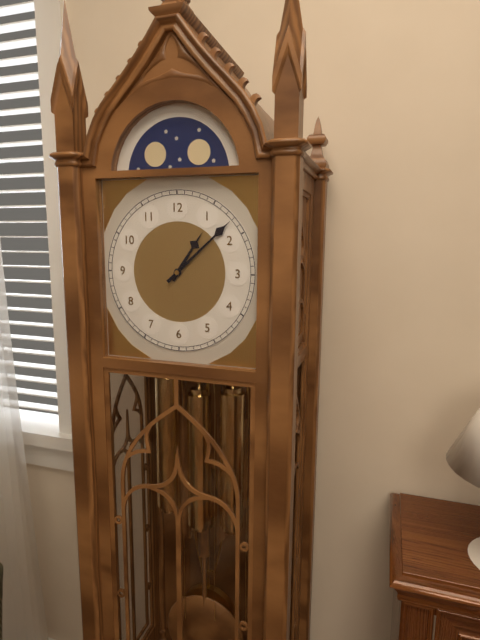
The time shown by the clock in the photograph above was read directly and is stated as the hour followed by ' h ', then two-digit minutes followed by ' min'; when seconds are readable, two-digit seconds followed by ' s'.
1 h 08 min
